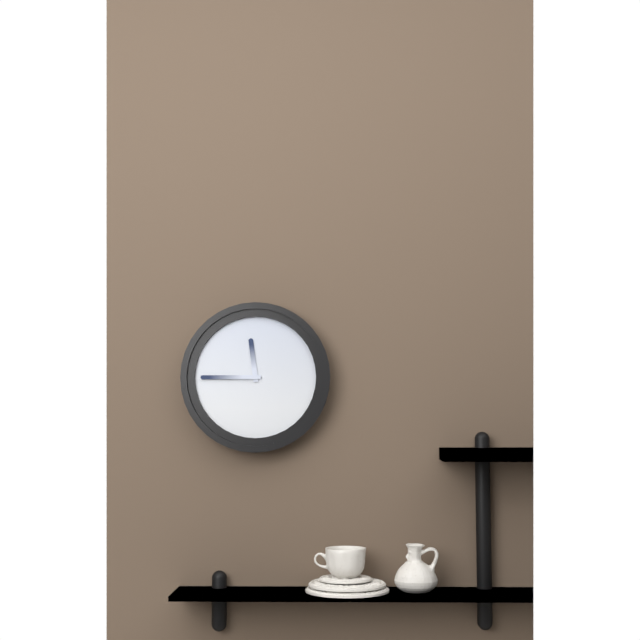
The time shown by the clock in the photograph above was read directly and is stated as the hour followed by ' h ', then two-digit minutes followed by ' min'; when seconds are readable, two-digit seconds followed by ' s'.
11 h 45 min
